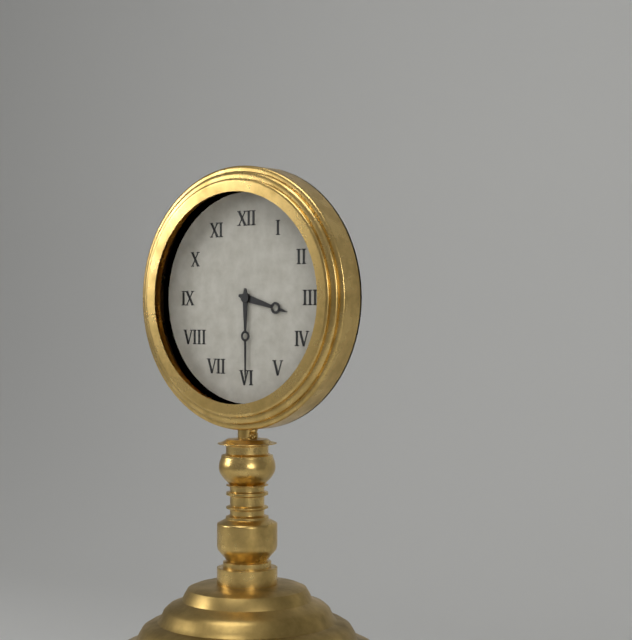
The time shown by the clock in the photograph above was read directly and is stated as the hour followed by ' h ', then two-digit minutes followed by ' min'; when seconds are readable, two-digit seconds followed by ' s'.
3 h 30 min
